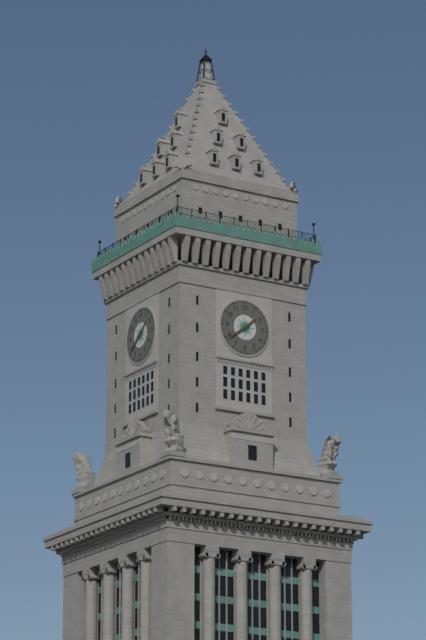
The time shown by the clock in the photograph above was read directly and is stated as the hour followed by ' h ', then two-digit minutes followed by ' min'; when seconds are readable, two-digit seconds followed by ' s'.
1 h 39 min
